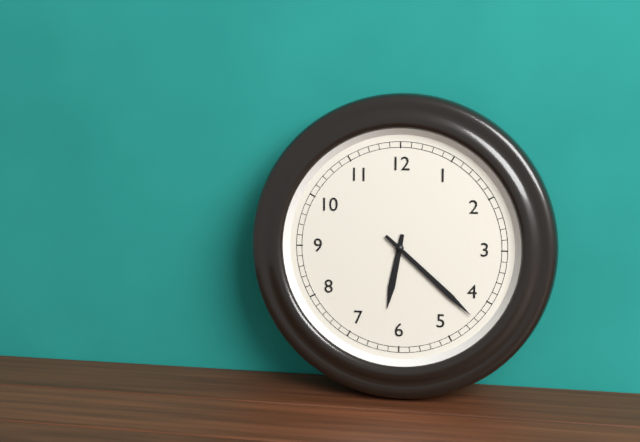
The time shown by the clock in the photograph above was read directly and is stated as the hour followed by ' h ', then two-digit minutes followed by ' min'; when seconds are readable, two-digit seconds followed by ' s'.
6 h 22 min
